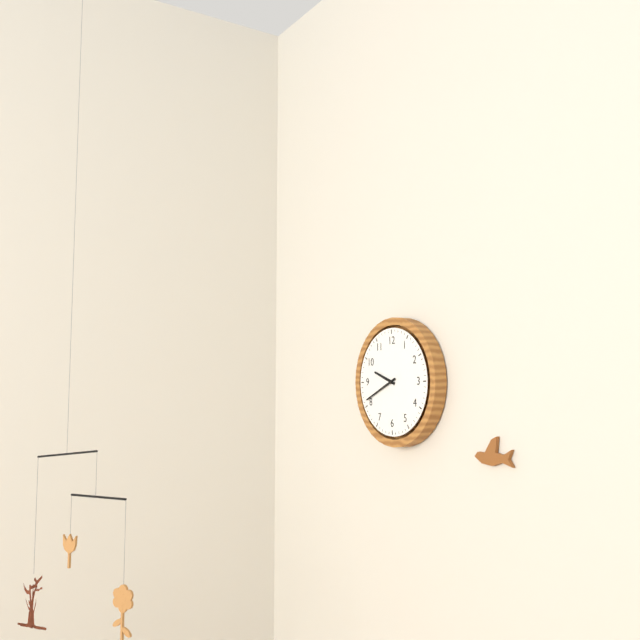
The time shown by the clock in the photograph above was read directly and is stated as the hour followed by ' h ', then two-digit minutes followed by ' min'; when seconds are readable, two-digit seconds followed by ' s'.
9 h 41 min
